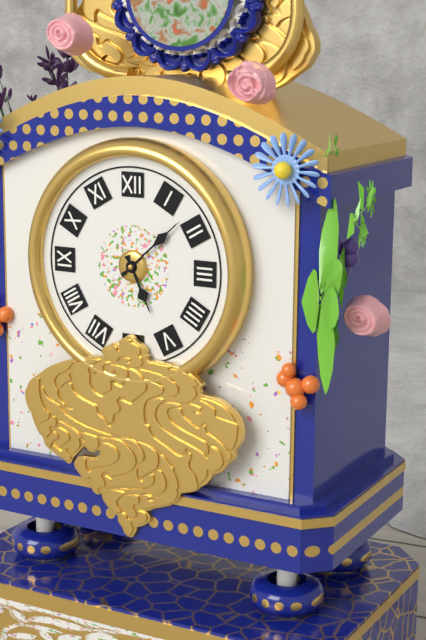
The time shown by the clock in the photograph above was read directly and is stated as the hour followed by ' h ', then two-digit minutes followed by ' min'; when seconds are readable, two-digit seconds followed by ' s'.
5 h 08 min
